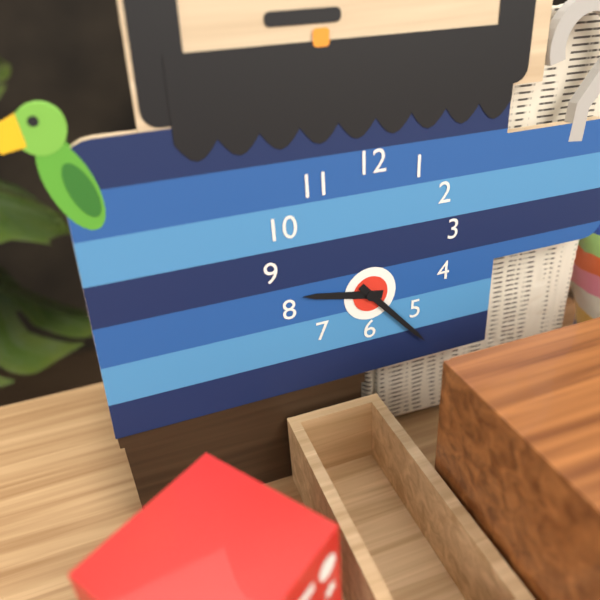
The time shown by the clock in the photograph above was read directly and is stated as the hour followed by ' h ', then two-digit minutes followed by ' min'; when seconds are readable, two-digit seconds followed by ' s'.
9 h 23 min
